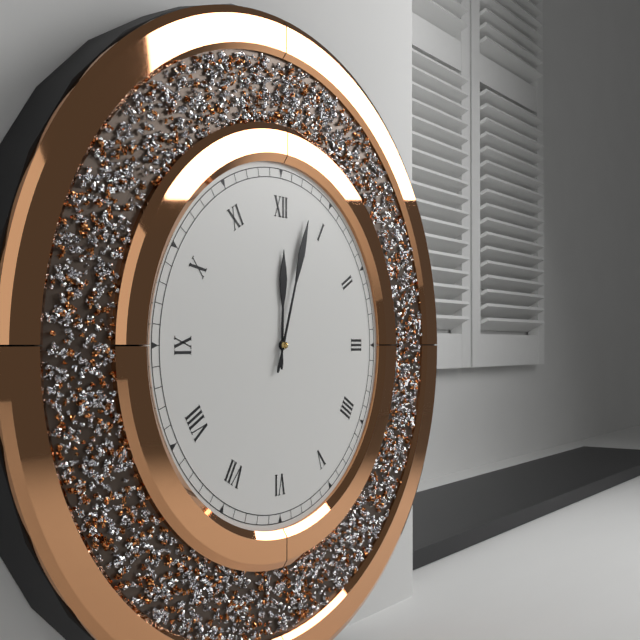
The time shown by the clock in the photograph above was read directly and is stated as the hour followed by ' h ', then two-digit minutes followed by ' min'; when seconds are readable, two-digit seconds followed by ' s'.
12 h 03 min
